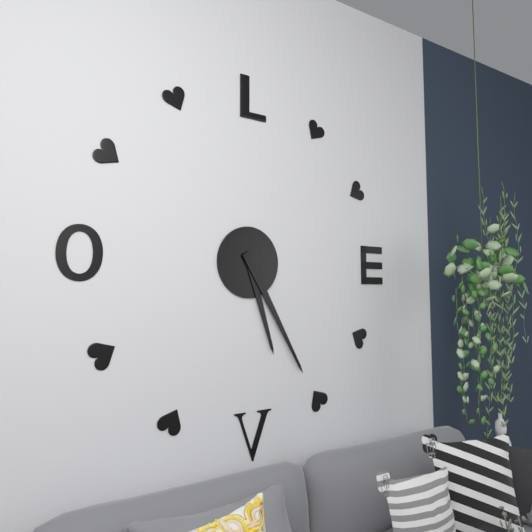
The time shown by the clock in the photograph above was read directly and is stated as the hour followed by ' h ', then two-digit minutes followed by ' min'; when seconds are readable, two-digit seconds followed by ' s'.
5 h 25 min
